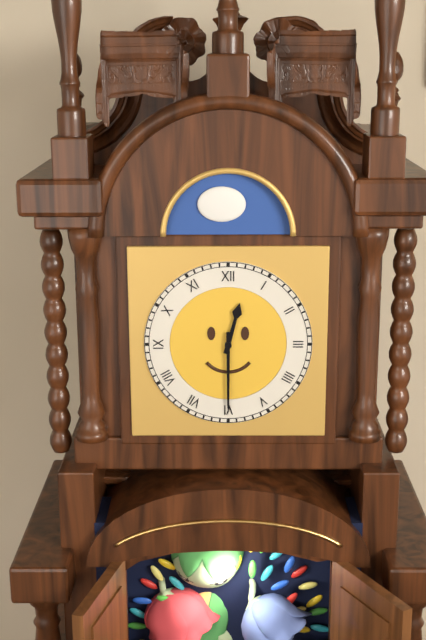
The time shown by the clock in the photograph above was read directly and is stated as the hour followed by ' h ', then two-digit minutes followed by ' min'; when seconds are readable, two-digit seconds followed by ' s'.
12 h 30 min
